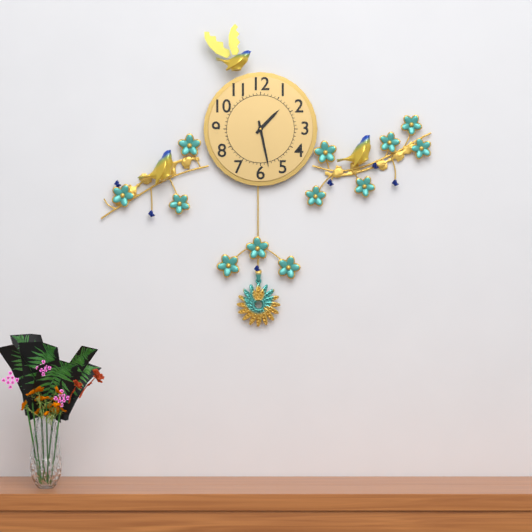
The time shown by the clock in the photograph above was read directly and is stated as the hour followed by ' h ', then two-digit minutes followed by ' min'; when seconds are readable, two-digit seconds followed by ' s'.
1 h 28 min
